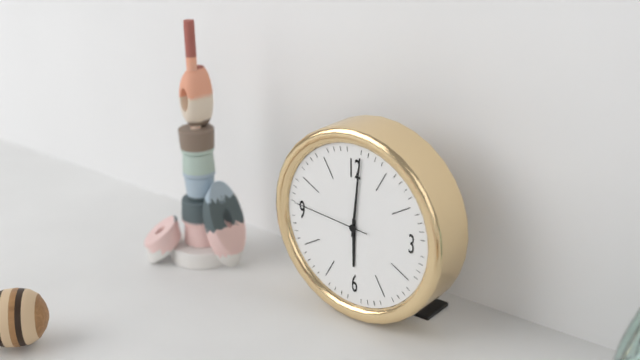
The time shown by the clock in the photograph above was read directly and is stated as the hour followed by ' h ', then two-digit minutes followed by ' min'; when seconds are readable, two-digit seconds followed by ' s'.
6 h 01 min 46 s
